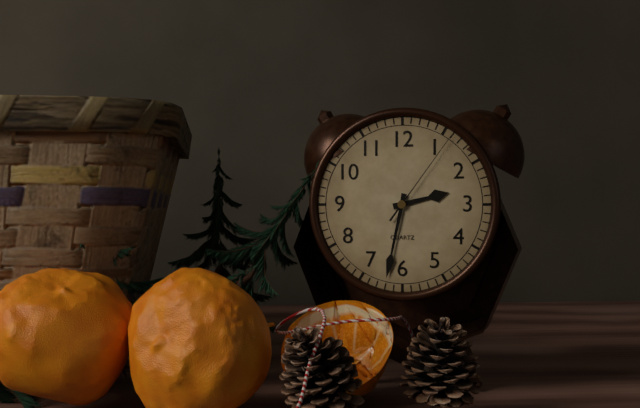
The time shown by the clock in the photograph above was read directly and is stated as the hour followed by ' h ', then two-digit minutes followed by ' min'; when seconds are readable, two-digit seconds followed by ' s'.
2 h 32 min 06 s
